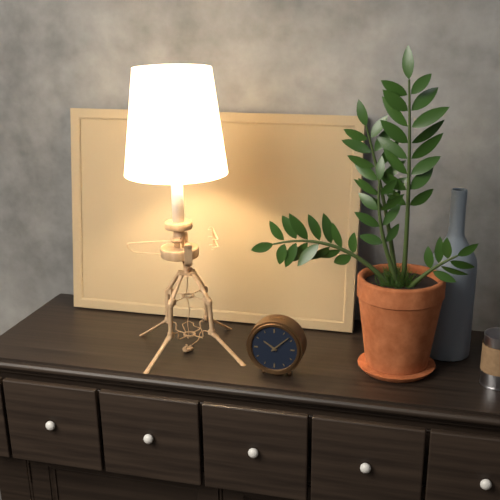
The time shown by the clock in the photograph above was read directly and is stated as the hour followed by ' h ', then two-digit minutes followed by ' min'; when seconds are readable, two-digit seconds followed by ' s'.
10 h 08 min
